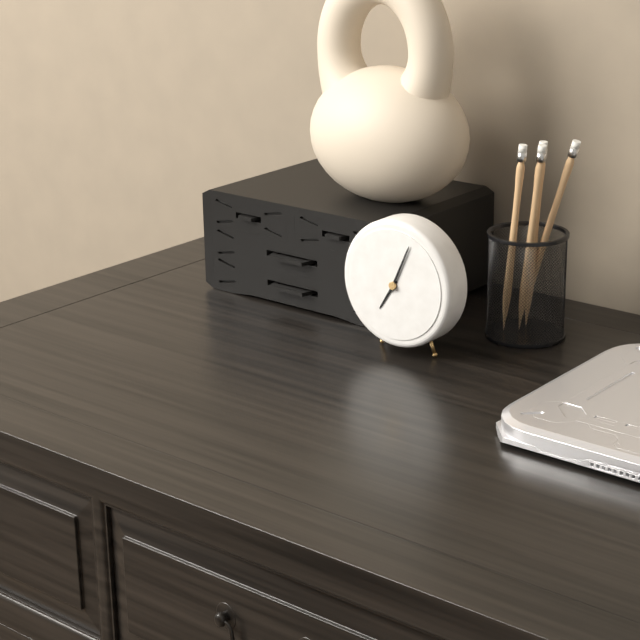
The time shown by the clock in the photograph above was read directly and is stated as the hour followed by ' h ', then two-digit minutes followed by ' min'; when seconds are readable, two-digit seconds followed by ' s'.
7 h 04 min
